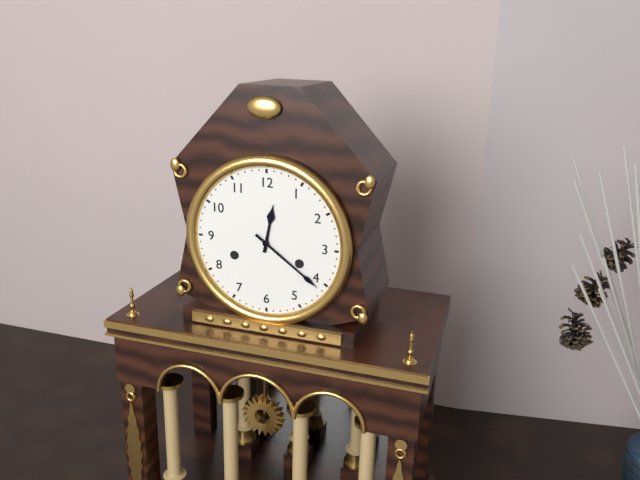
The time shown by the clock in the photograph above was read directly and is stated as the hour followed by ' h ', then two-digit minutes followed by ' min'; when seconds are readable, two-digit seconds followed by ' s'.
12 h 21 min
